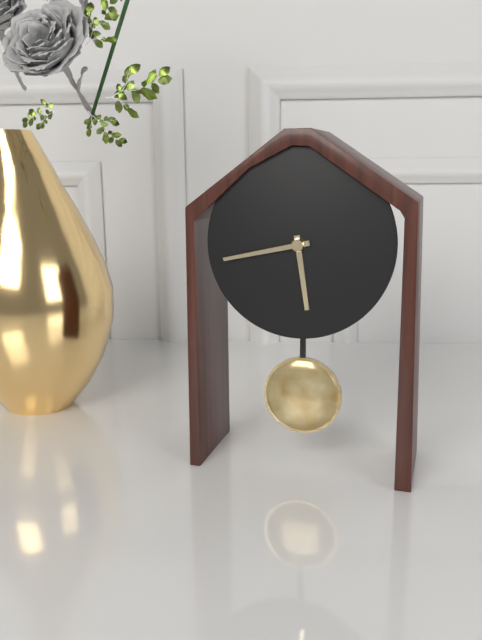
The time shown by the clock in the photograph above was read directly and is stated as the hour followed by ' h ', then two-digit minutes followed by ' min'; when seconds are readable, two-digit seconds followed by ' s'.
5 h 43 min
